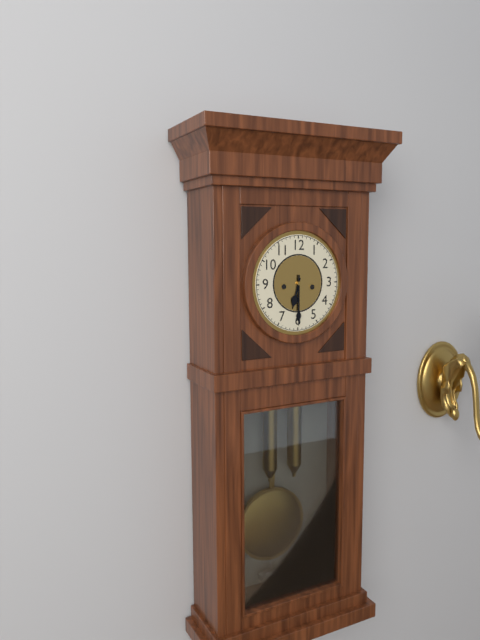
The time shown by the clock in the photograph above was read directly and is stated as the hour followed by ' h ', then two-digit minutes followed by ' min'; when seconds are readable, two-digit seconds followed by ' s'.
6 h 30 min
